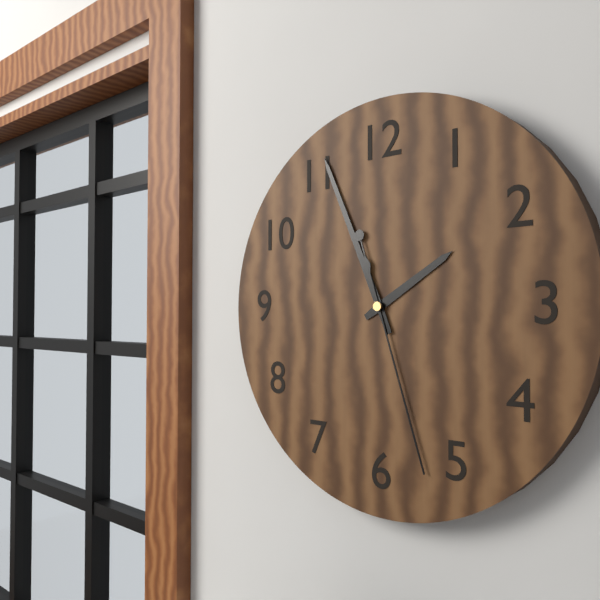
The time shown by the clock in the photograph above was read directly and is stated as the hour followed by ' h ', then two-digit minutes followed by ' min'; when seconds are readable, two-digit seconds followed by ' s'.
1 h 56 min 27 s
